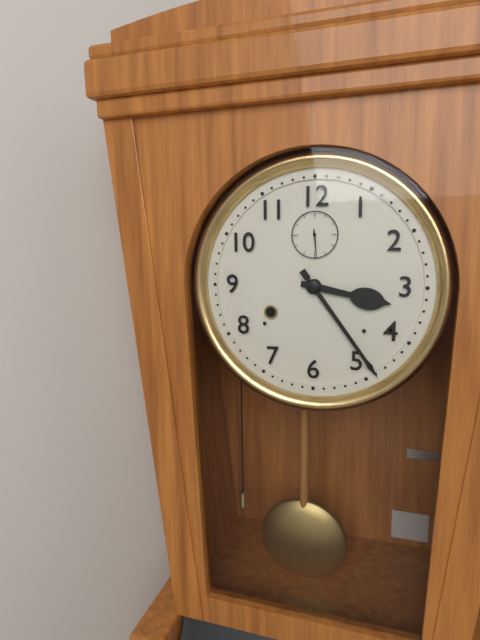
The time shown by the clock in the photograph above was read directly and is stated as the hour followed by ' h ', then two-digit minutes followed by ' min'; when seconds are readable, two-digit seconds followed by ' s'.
3 h 24 min
